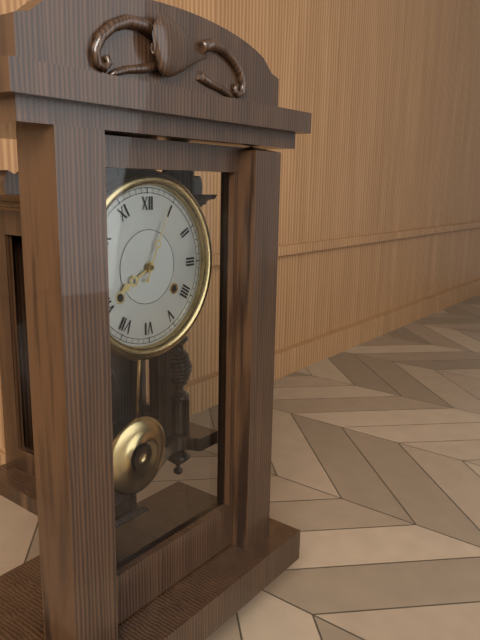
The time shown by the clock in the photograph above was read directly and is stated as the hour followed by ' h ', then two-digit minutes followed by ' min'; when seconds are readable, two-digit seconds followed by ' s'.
8 h 04 min
